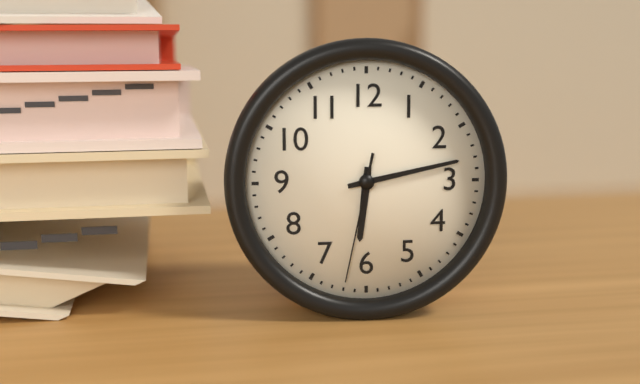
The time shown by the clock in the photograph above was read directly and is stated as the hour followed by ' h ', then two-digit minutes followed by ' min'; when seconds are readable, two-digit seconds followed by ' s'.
6 h 13 min 32 s
